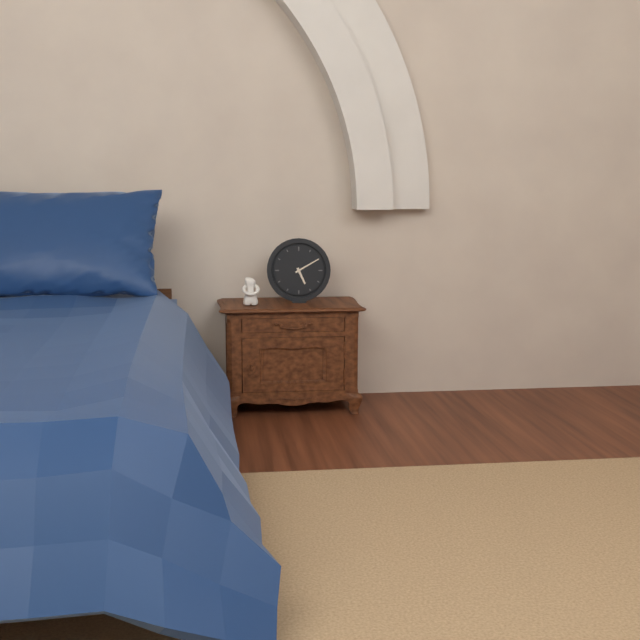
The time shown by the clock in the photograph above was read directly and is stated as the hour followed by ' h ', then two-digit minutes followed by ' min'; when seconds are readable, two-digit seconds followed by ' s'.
5 h 10 min
